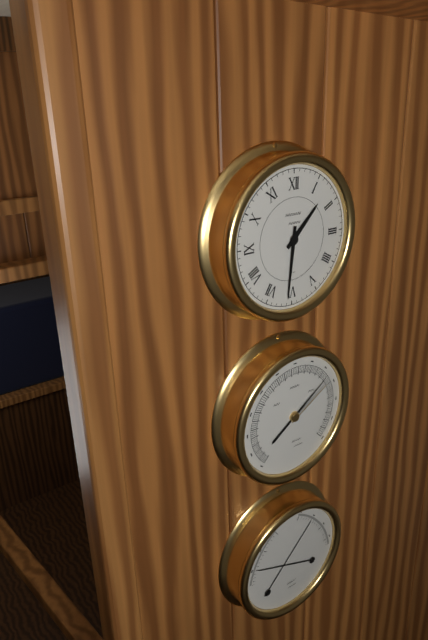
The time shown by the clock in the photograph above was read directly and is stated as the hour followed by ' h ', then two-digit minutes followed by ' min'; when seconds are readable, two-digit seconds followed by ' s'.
1 h 31 min
